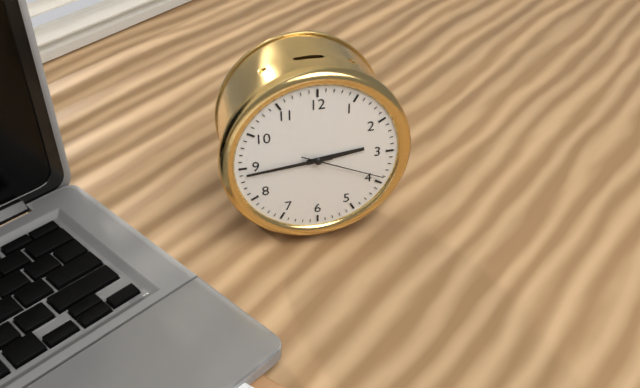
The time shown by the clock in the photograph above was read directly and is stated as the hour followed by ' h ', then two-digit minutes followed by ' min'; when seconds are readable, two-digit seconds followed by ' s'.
2 h 44 min 19 s
